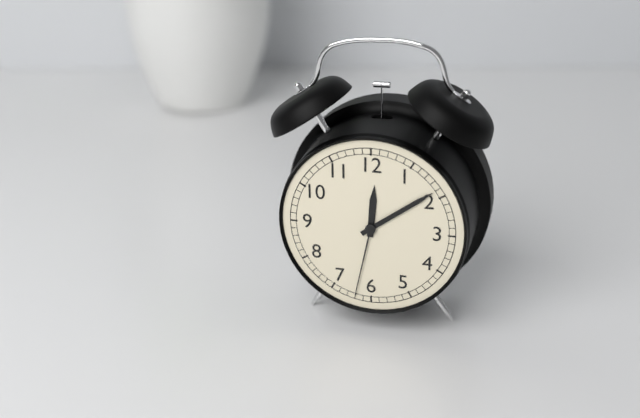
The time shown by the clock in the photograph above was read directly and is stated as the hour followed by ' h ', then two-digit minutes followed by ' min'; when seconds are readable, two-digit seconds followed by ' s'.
12 h 09 min 32 s
